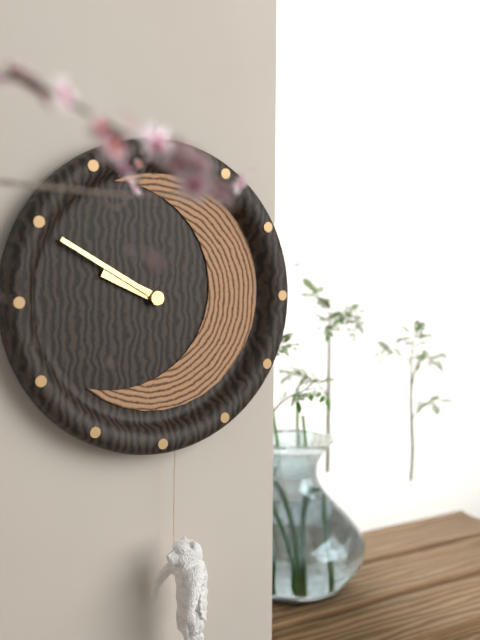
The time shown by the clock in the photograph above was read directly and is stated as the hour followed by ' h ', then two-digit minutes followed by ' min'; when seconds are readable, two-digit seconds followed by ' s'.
9 h 50 min
